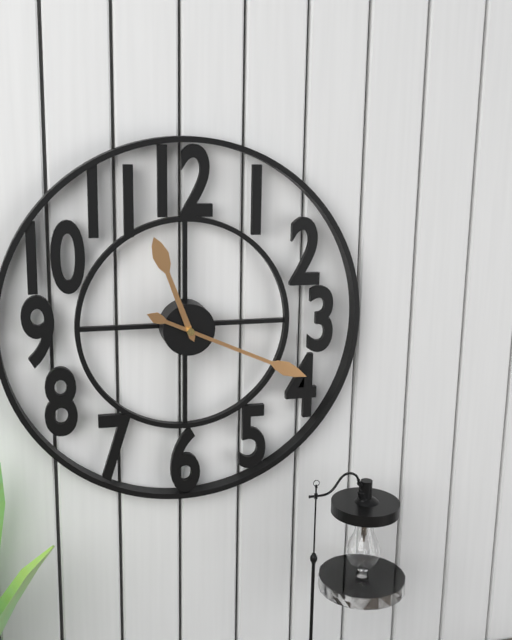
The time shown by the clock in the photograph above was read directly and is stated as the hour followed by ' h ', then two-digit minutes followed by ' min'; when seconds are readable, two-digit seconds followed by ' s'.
11 h 19 min
